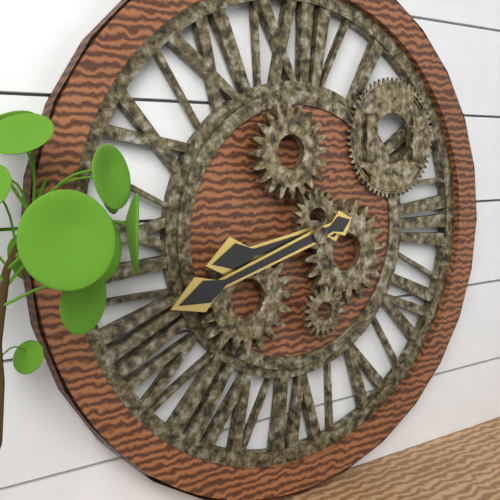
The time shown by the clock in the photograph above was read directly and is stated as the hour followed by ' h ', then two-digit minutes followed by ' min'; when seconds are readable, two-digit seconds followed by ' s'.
8 h 42 min
